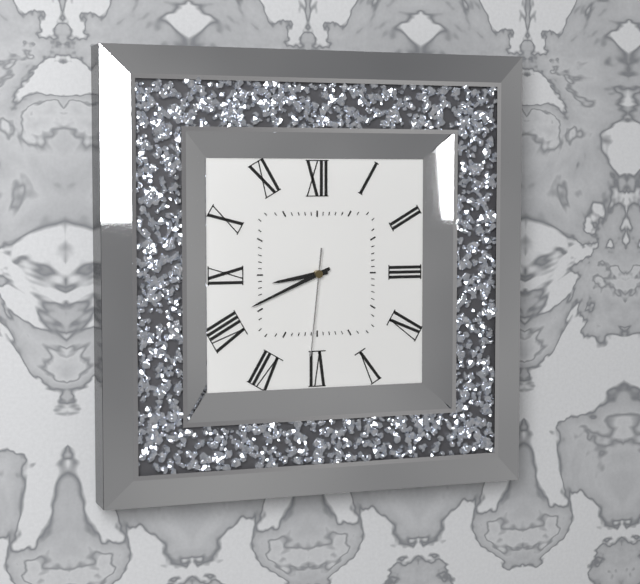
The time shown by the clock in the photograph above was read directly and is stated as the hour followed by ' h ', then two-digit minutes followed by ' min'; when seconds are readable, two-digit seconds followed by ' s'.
8 h 41 min 31 s
